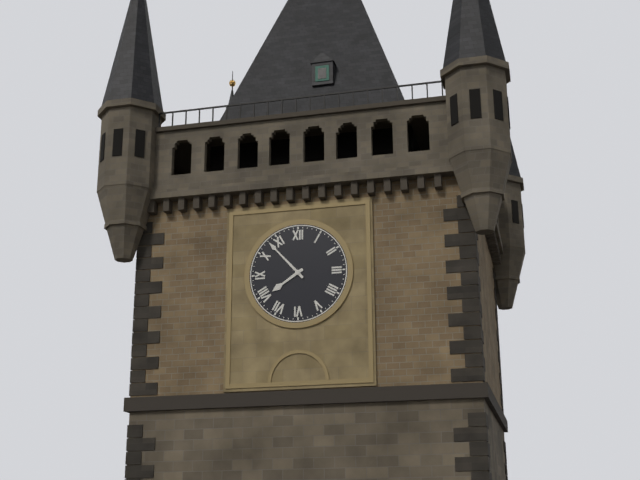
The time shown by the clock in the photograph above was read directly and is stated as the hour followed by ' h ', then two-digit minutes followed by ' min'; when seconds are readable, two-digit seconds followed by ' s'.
7 h 53 min
